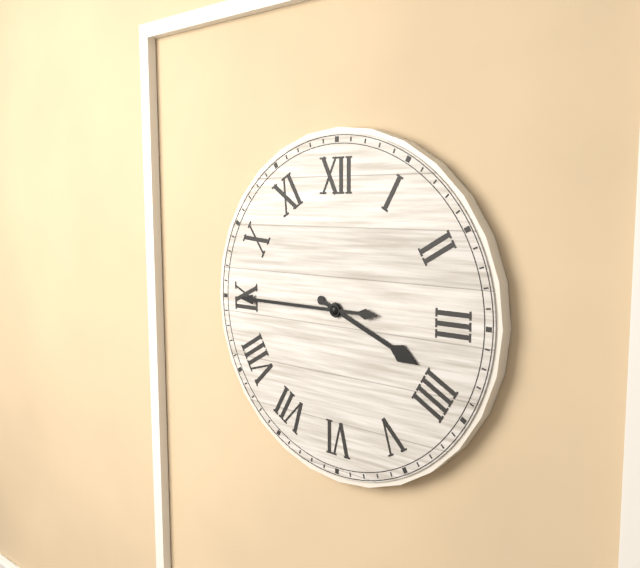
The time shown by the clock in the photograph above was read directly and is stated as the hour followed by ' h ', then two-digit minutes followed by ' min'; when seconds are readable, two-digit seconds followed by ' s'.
3 h 45 min
